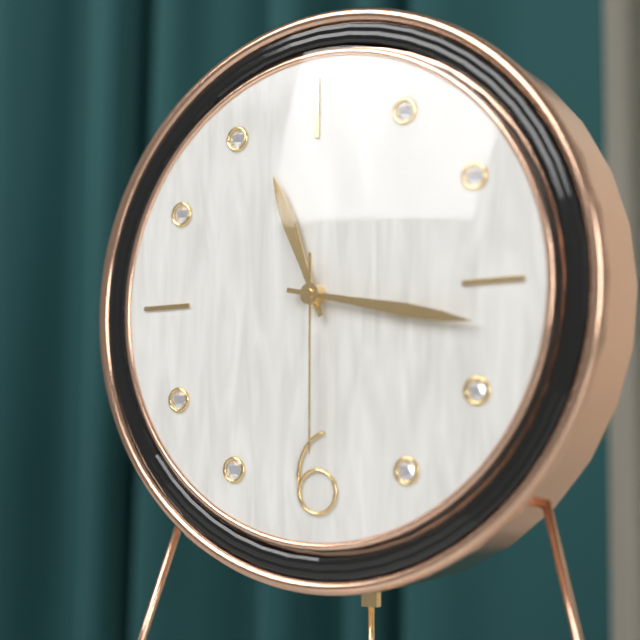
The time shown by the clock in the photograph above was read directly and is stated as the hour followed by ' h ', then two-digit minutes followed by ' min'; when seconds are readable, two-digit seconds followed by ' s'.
11 h 17 min 30 s
